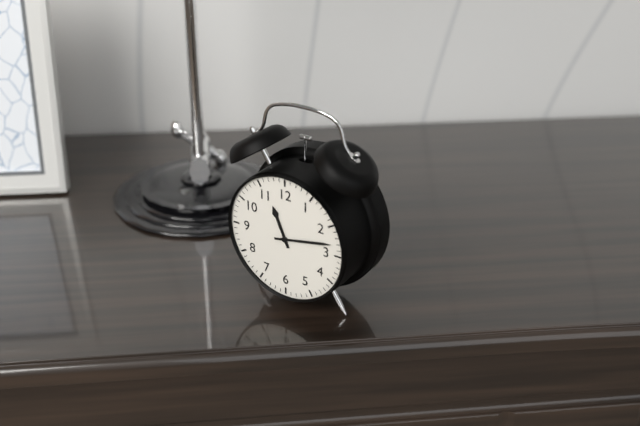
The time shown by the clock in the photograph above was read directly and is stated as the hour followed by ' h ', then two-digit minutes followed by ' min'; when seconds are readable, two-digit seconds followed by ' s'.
11 h 13 min
